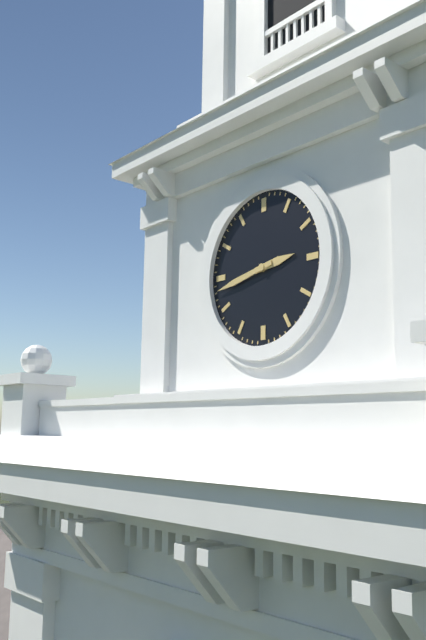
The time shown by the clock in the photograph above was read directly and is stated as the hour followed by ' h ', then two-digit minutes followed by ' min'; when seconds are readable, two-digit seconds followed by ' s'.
2 h 43 min
